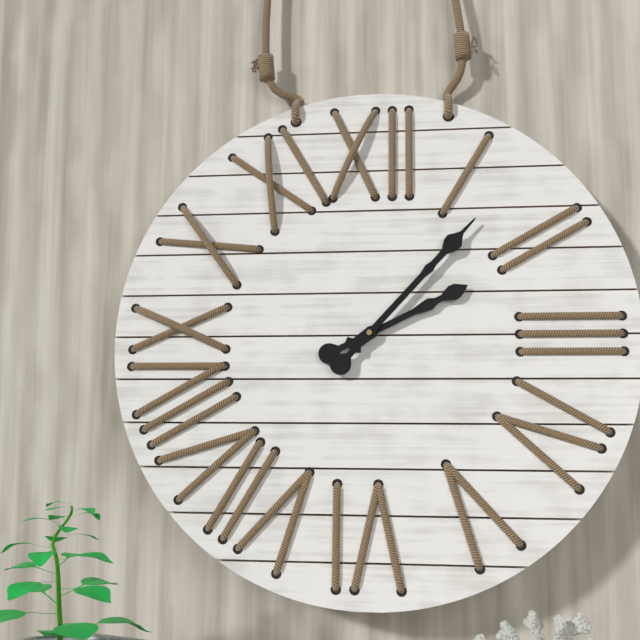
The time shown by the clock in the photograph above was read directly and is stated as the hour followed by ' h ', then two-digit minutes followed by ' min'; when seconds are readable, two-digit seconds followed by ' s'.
2 h 07 min
